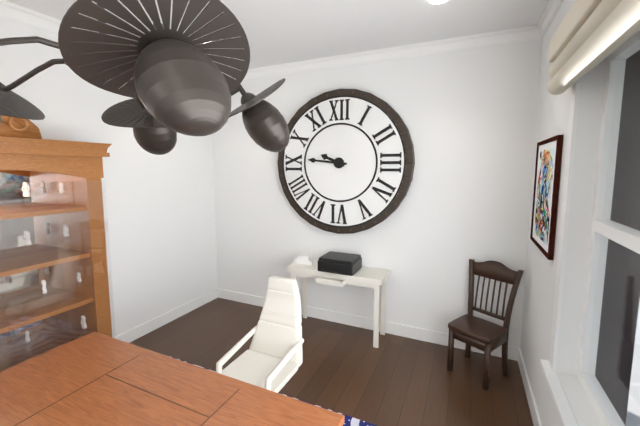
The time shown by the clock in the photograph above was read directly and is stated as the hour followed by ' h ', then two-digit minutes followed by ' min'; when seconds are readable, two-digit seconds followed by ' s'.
9 h 46 min
